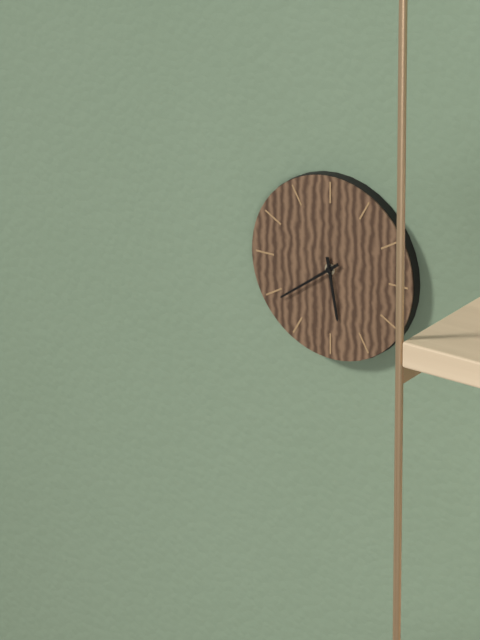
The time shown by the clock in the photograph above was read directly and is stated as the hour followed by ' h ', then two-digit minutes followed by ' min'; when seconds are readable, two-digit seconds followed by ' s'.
5 h 39 min
